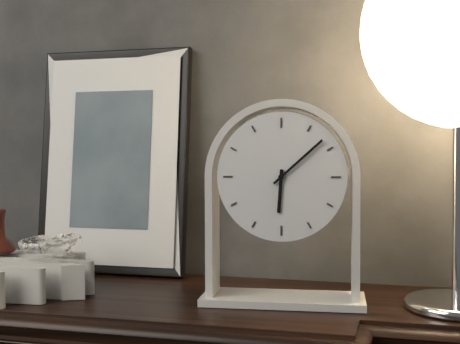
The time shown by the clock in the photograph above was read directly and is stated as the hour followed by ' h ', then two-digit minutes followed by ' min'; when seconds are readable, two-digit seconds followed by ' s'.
6 h 08 min
